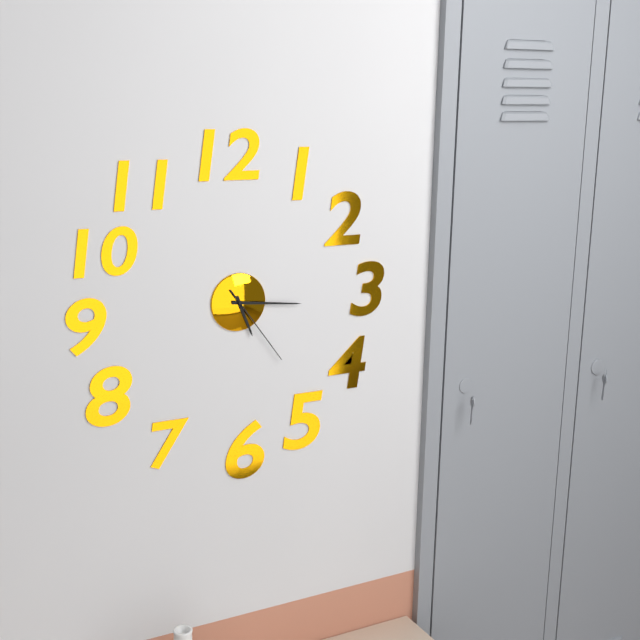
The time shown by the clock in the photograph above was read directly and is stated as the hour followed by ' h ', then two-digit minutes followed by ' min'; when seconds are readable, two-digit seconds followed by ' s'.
5 h 16 min 24 s
